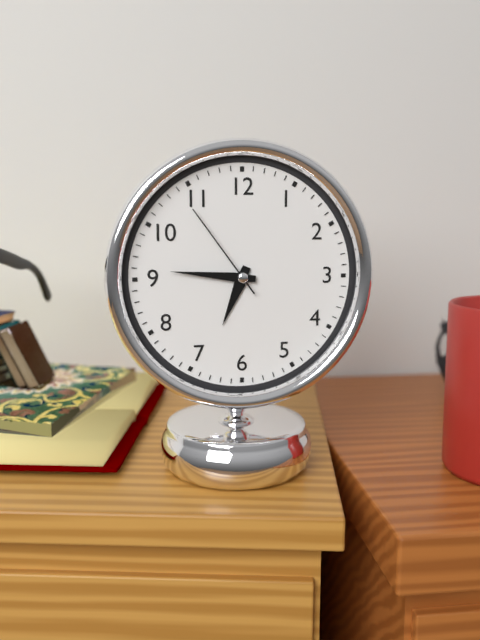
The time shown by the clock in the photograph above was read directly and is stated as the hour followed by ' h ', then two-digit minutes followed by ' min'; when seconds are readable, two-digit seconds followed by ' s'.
6 h 46 min 54 s
